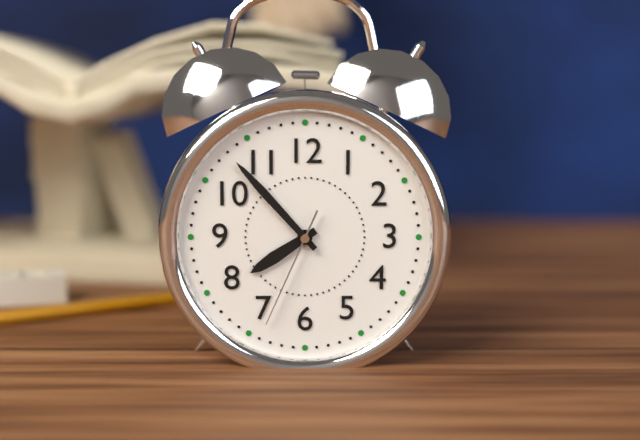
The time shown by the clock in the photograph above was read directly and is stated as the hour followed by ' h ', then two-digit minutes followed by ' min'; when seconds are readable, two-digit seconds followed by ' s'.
7 h 53 min 34 s
